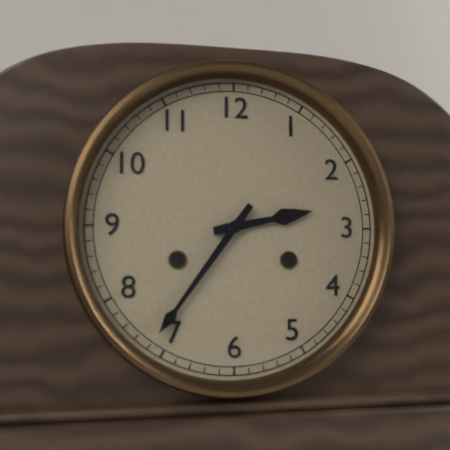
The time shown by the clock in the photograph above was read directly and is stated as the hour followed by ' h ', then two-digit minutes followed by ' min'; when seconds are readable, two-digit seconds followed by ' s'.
2 h 36 min
